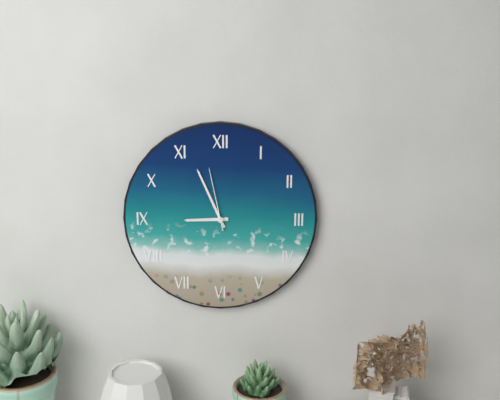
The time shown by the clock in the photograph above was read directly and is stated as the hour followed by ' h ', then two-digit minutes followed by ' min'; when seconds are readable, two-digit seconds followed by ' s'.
8 h 56 min 58 s
